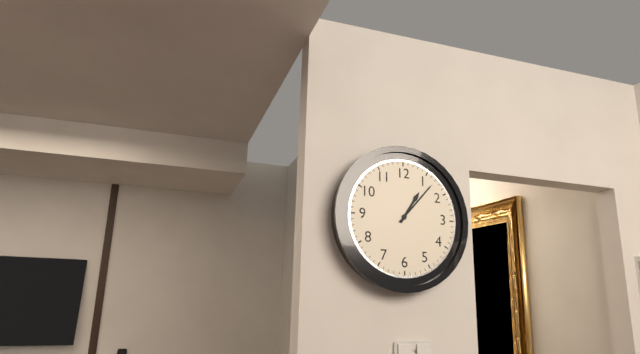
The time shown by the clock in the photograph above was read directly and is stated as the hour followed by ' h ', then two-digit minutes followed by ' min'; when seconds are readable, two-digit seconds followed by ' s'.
1 h 07 min
